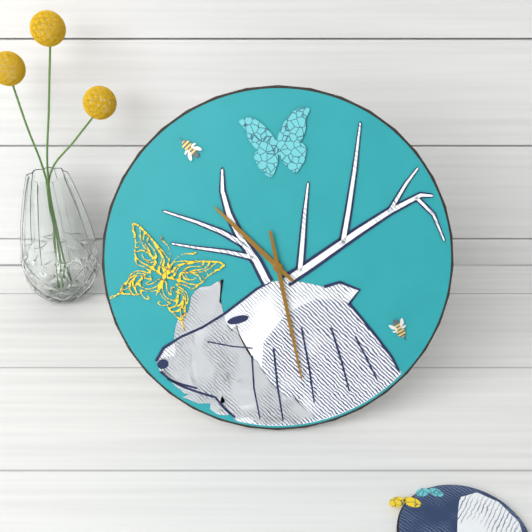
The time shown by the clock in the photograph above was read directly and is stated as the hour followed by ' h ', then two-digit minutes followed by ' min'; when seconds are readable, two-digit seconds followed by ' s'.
10 h 28 min
